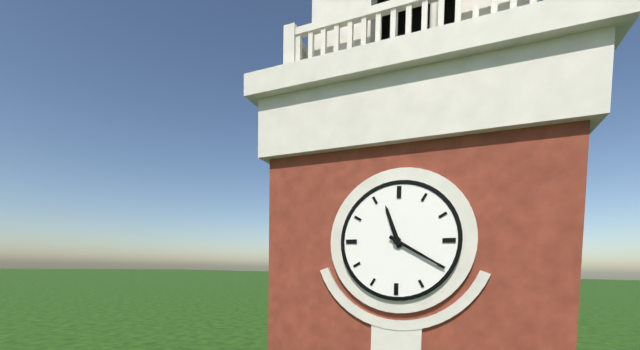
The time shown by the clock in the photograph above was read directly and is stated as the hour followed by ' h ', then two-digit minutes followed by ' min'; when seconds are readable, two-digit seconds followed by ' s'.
11 h 20 min
